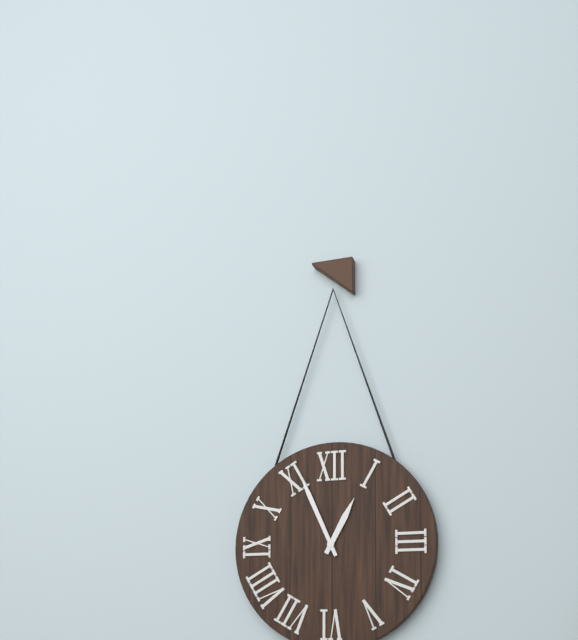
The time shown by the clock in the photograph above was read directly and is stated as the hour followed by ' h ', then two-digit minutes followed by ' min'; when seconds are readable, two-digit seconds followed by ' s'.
12 h 56 min
